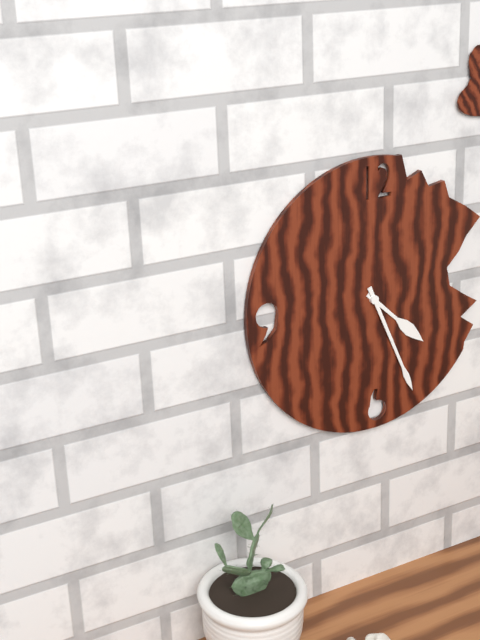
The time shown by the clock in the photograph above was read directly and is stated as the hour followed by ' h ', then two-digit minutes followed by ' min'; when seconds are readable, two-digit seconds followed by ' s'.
4 h 26 min
